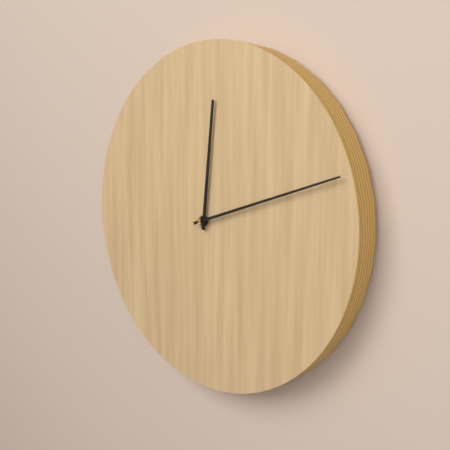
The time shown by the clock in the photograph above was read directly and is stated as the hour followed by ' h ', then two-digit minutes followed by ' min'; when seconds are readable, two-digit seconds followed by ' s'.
12 h 12 min
